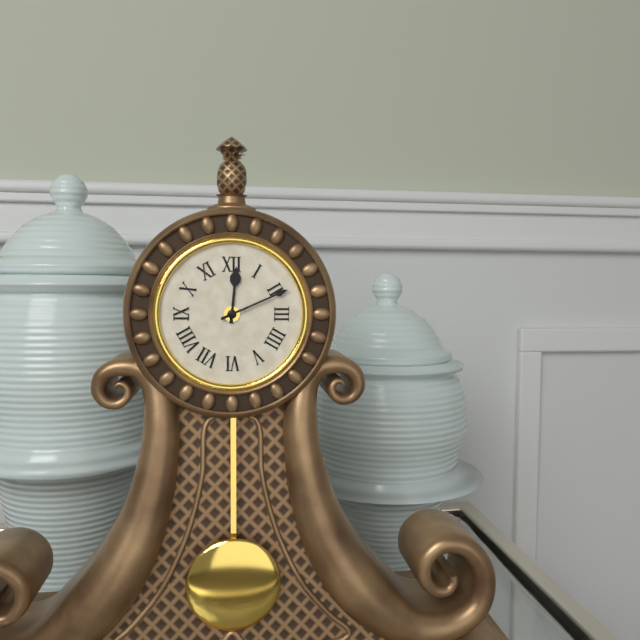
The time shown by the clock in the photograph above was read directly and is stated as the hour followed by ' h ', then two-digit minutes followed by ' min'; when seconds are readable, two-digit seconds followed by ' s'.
12 h 11 min
